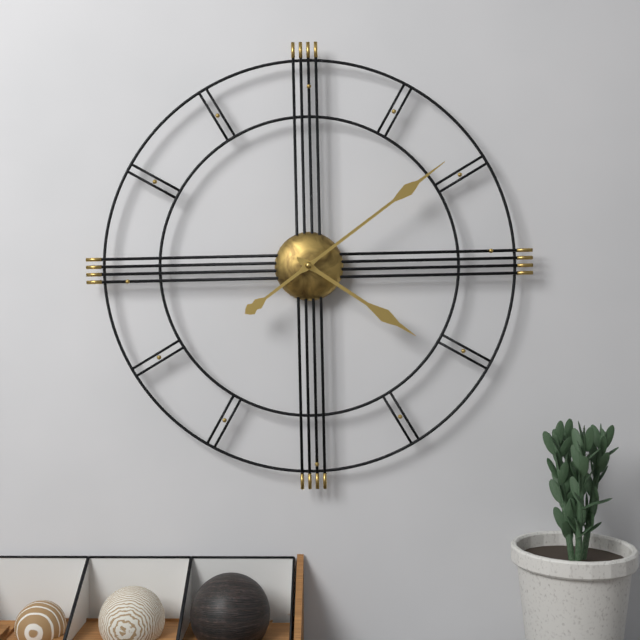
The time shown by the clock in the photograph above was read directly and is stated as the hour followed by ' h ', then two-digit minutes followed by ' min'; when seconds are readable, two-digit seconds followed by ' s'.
4 h 09 min
